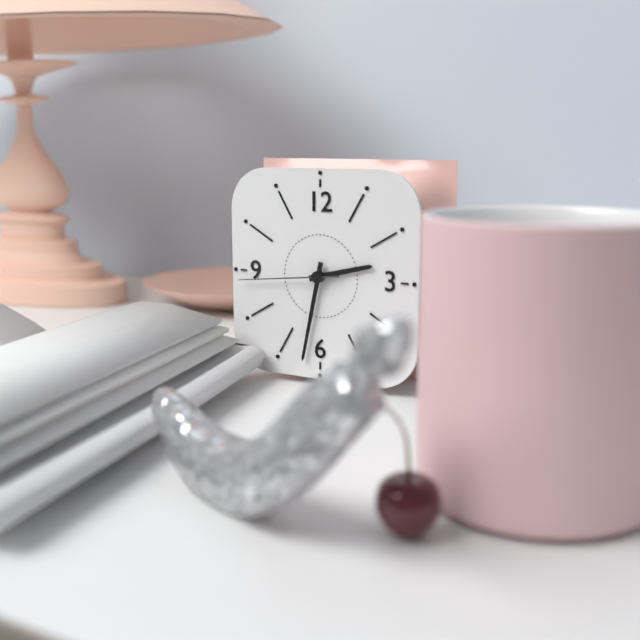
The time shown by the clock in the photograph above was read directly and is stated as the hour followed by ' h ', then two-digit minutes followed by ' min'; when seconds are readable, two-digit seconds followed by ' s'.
2 h 32 min 44 s
